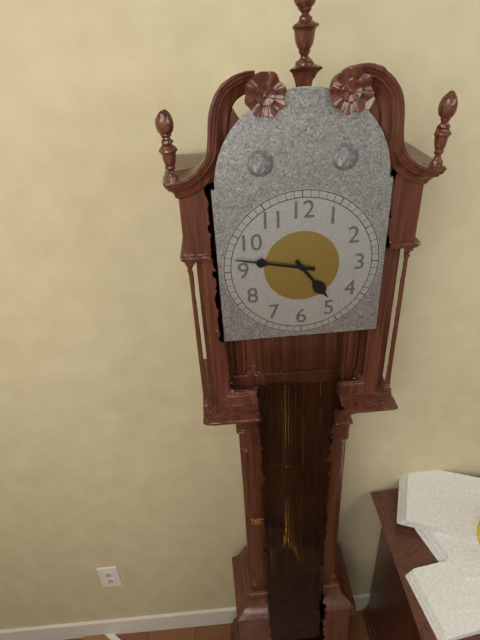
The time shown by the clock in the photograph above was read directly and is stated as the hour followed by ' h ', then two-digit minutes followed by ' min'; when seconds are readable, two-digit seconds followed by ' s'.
4 h 47 min
